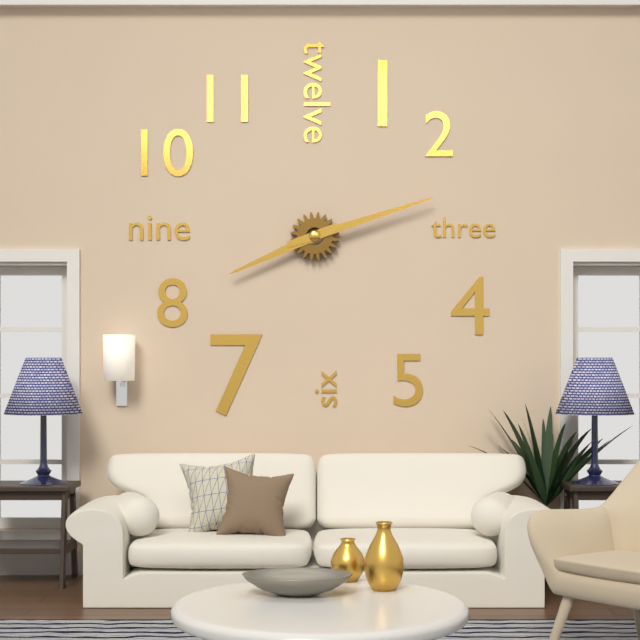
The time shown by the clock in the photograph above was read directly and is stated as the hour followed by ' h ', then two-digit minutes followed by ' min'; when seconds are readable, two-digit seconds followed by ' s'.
8 h 12 min
